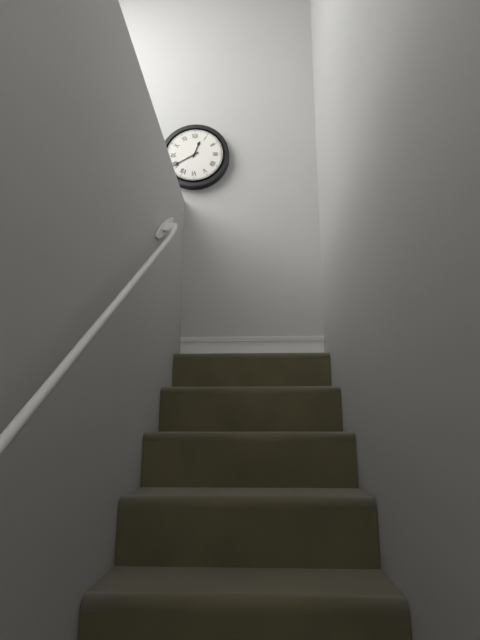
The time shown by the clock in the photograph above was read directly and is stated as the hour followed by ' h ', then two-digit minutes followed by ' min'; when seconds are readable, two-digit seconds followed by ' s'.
12 h 40 min
